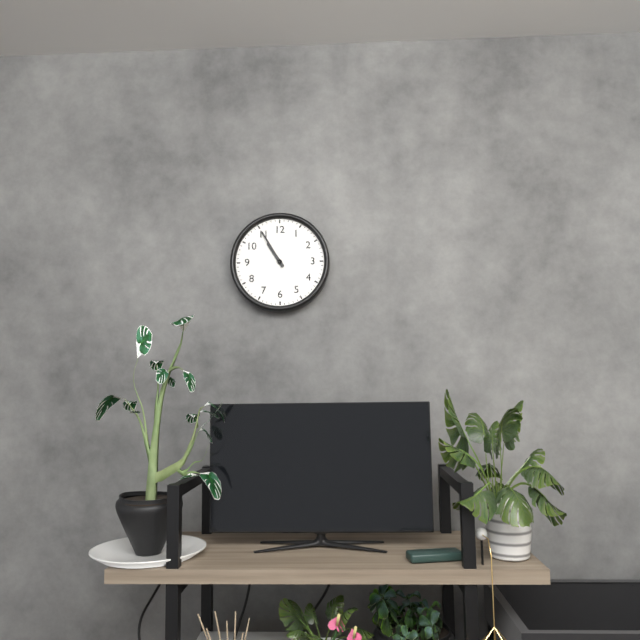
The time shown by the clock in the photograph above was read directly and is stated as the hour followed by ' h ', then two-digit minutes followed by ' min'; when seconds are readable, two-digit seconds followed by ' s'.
10 h 55 min
